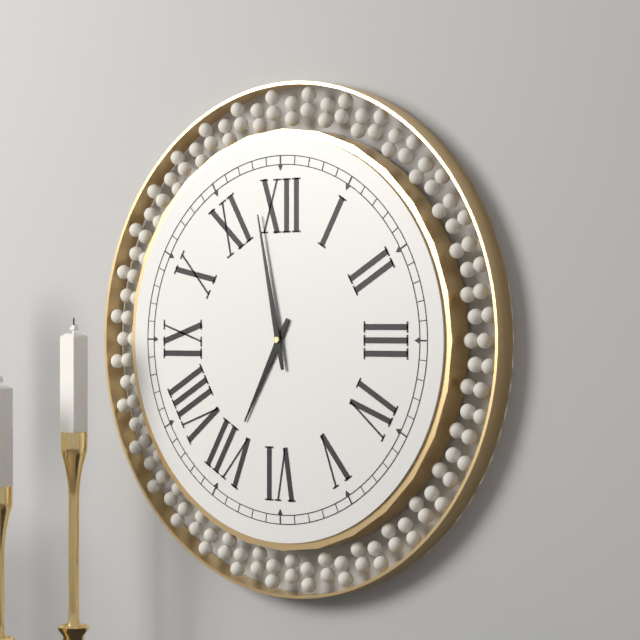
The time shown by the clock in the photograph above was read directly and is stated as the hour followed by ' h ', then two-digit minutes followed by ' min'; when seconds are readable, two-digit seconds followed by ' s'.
6 h 58 min
